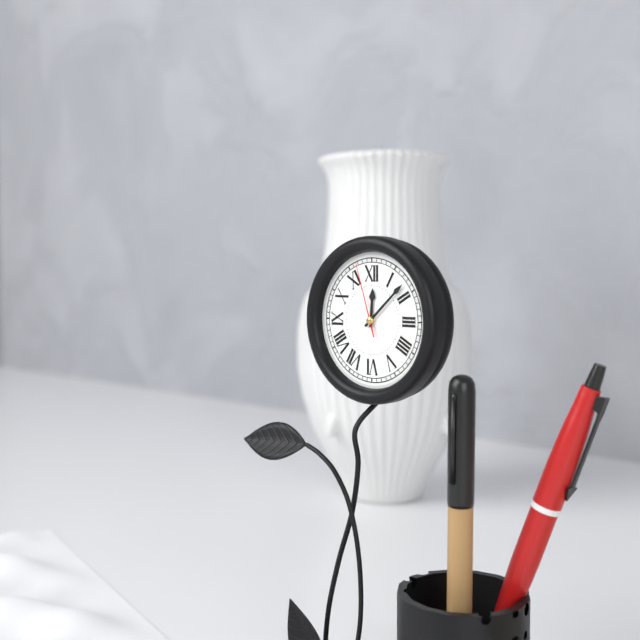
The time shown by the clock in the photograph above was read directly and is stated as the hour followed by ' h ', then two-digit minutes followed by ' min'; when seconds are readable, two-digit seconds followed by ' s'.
12 h 08 min 57 s
